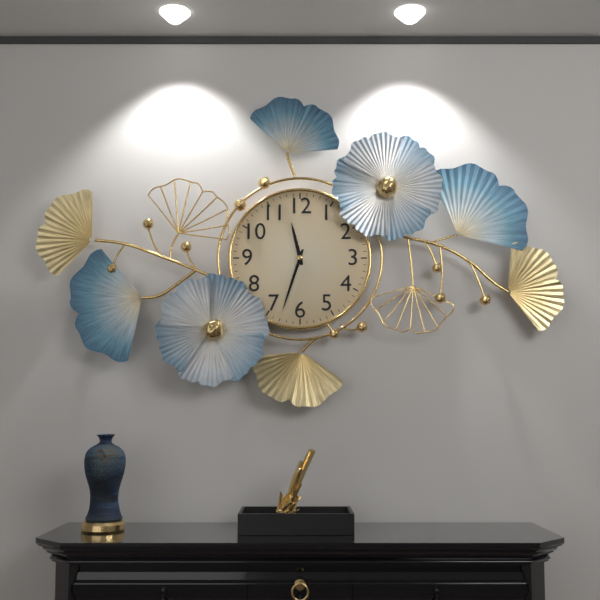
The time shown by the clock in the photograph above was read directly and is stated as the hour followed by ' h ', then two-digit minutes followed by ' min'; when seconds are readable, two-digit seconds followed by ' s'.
11 h 33 min
